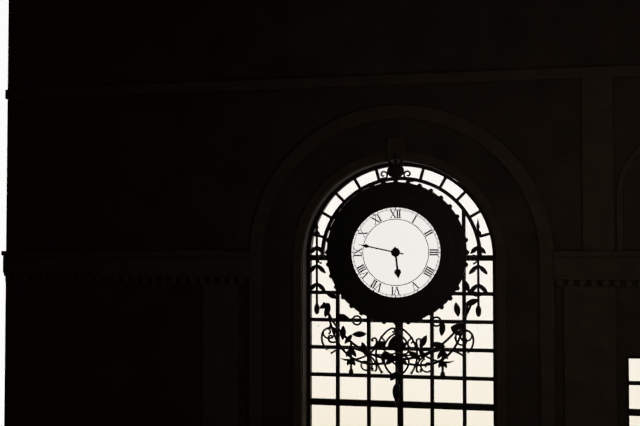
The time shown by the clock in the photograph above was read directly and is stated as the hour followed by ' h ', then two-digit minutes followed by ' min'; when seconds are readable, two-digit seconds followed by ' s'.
5 h 47 min
